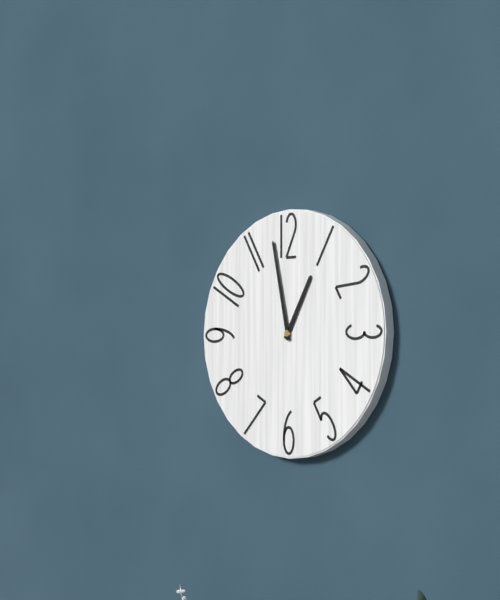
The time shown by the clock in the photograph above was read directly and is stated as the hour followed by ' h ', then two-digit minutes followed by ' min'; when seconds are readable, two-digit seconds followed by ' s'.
12 h 58 min
